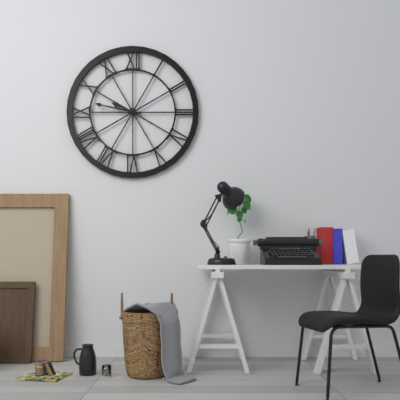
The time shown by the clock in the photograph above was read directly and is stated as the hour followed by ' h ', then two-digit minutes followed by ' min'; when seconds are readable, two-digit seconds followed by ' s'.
9 h 47 min
